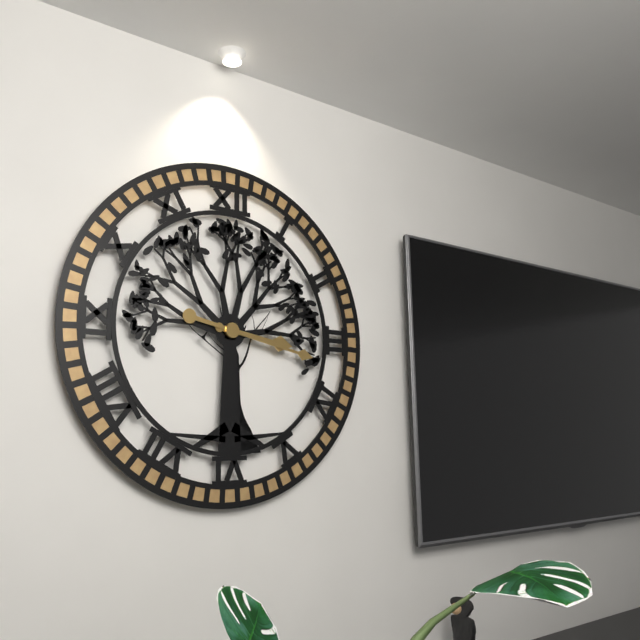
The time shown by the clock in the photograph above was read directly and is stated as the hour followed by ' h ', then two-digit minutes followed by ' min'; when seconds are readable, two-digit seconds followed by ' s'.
3 h 17 min
